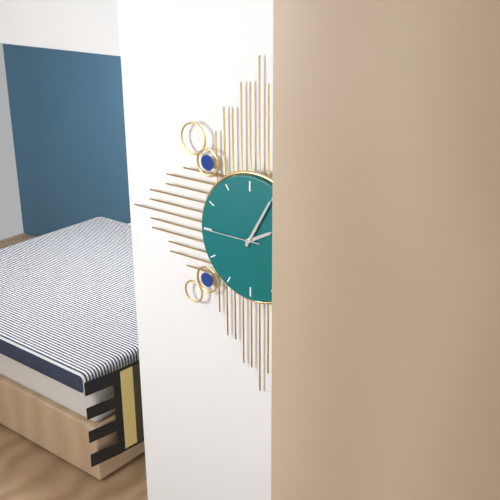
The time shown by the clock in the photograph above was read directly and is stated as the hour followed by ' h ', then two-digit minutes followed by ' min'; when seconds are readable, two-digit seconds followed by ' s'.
2 h 05 min 45 s
